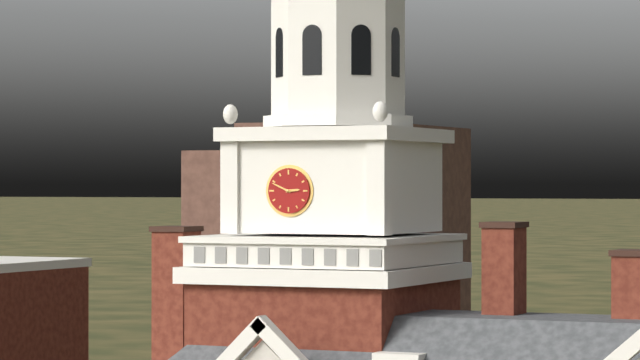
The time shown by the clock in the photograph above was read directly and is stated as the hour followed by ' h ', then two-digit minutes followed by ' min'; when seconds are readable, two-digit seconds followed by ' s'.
2 h 49 min
